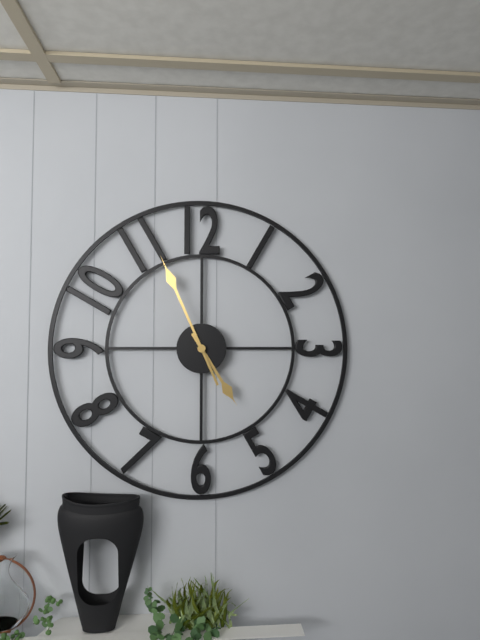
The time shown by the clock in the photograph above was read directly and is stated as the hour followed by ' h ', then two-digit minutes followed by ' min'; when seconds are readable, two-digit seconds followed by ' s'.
4 h 56 min
